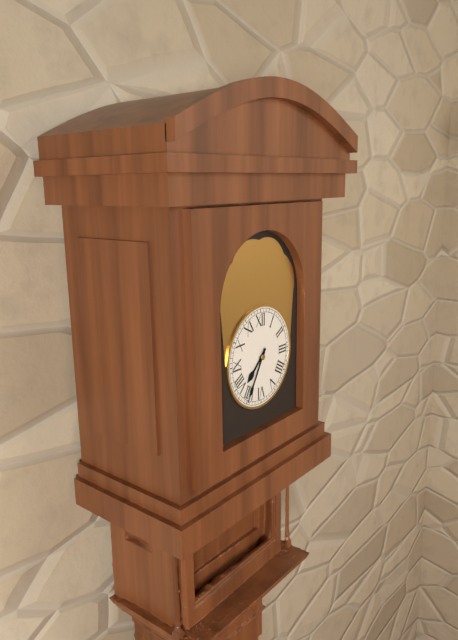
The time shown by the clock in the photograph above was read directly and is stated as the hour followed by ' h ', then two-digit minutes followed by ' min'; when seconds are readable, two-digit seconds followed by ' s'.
7 h 35 min
